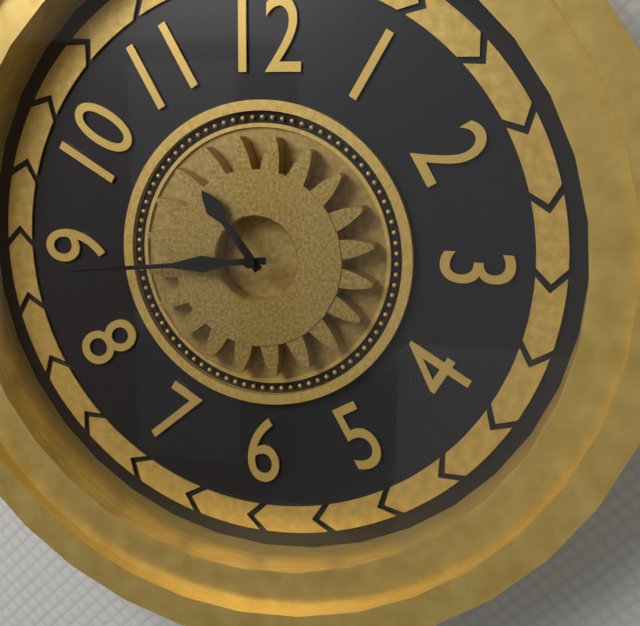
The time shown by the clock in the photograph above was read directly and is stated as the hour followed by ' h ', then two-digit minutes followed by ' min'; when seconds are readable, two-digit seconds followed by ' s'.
10 h 44 min
